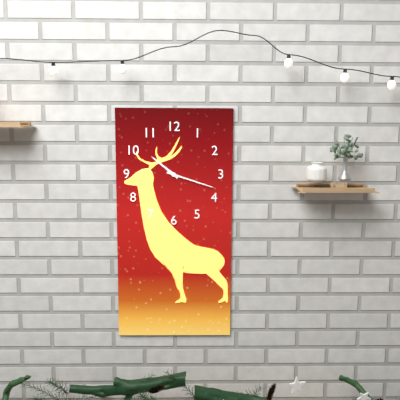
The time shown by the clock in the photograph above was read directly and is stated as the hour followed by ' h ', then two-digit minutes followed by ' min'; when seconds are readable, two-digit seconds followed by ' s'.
10 h 18 min
